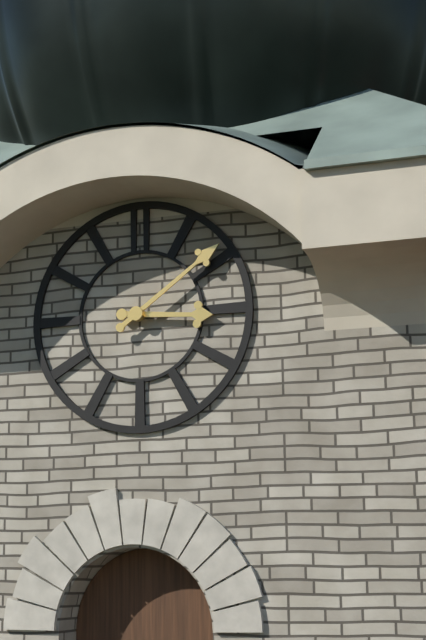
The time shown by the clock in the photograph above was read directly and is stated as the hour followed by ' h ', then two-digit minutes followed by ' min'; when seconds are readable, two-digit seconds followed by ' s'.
3 h 09 min
